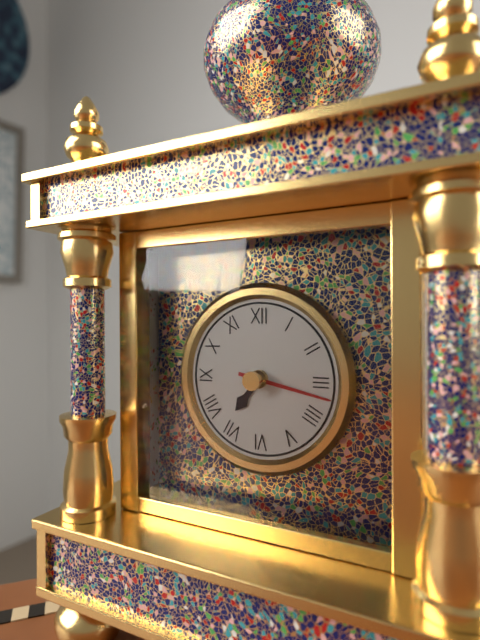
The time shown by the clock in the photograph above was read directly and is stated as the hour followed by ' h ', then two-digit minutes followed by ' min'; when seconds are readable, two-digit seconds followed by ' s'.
7 h 17 min
